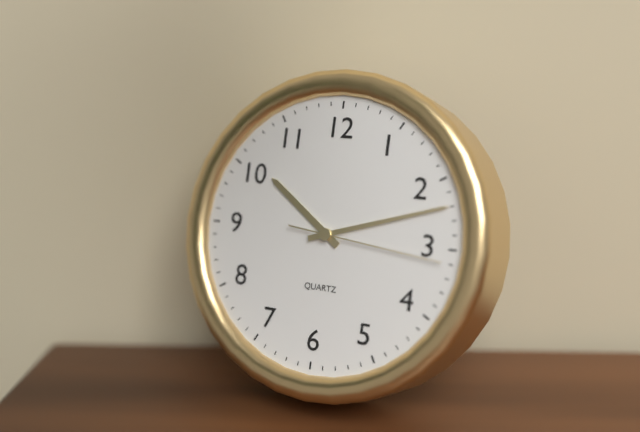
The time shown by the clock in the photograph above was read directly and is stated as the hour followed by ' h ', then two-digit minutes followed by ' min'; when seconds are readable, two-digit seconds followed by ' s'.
10 h 12 min 16 s
